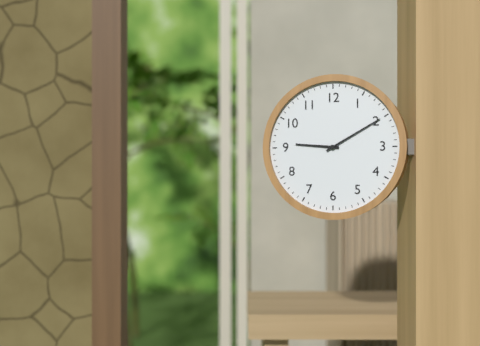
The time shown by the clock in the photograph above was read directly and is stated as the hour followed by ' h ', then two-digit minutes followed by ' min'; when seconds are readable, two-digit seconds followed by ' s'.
9 h 10 min
